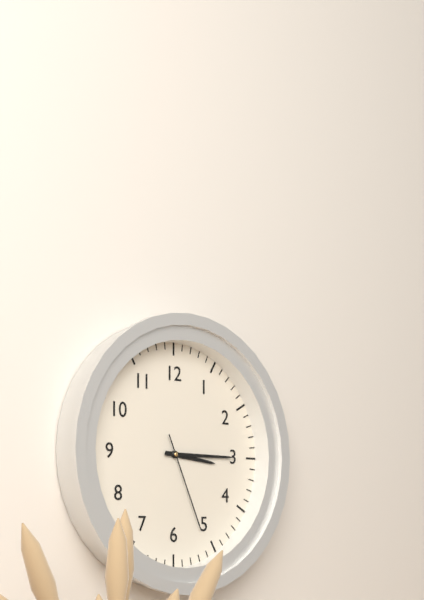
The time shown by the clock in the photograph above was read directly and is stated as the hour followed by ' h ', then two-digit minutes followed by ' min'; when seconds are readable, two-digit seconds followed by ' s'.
3 h 15 min 26 s
